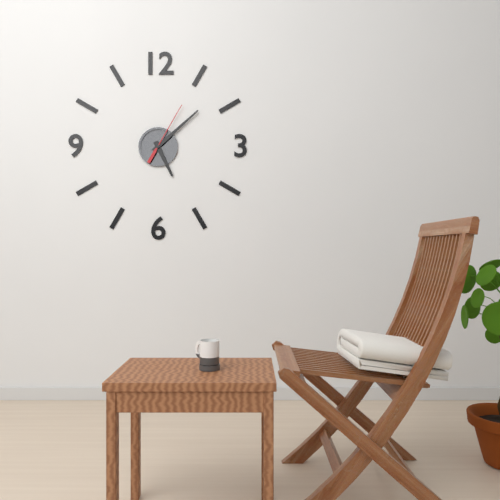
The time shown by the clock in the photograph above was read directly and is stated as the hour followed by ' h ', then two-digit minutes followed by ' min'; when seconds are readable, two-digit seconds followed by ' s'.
5 h 08 min 05 s
